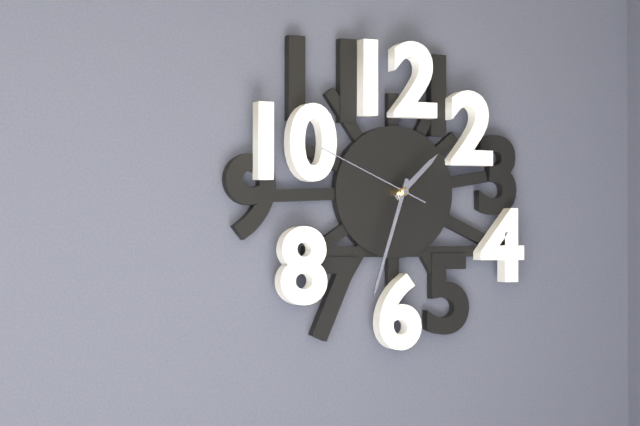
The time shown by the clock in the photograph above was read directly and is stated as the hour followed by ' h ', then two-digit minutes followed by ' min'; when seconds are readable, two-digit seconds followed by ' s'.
1 h 33 min 49 s
